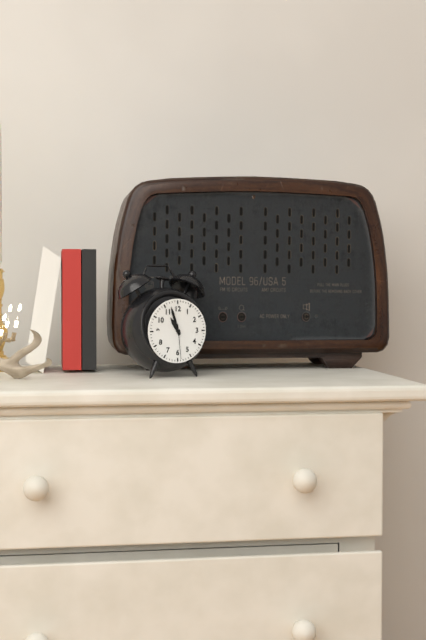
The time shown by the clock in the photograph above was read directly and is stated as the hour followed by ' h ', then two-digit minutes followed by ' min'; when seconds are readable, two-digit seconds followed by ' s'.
10 h 57 min
